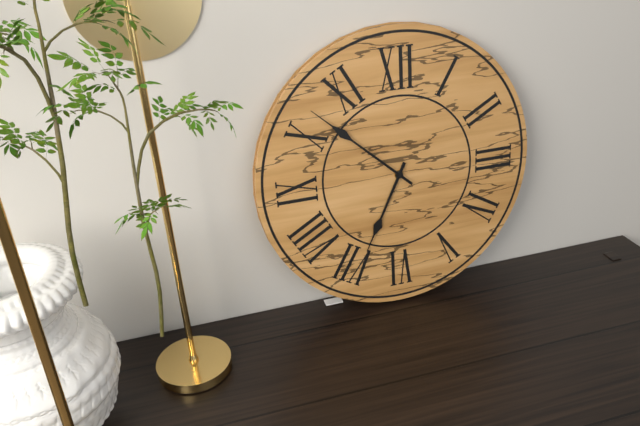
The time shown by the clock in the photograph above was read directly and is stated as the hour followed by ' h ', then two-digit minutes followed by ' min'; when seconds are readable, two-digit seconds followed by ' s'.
6 h 52 min
